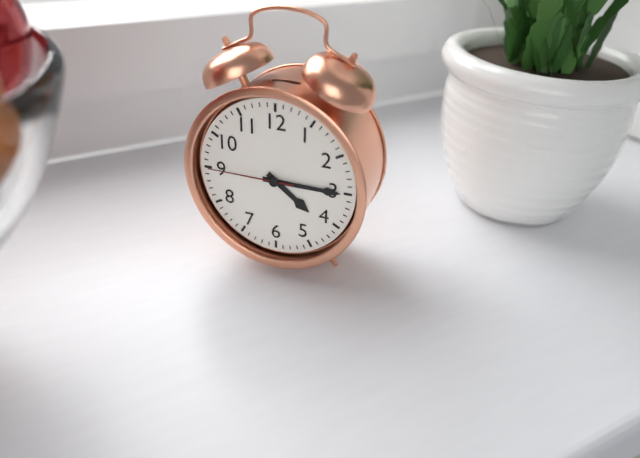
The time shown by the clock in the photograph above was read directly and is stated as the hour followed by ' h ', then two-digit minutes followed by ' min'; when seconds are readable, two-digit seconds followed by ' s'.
4 h 15 min 45 s
